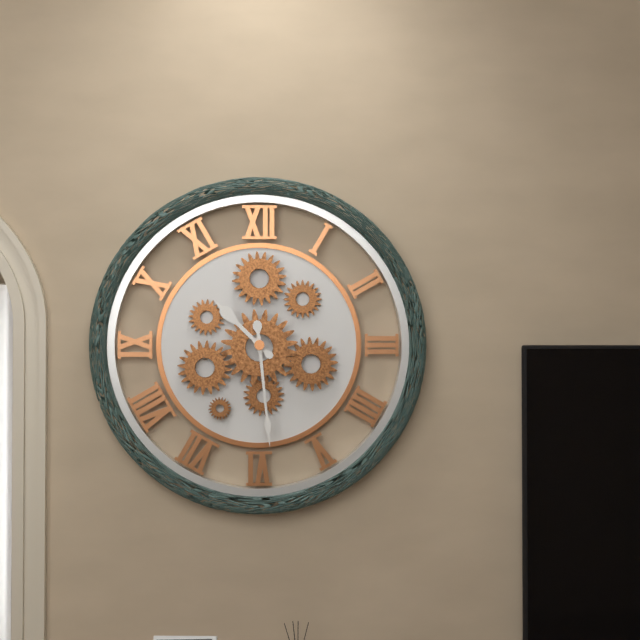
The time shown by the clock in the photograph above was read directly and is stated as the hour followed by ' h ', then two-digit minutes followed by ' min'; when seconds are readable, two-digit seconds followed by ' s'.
10 h 29 min
